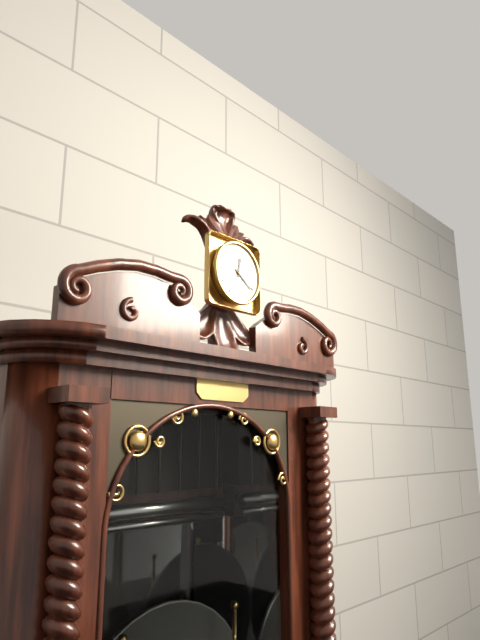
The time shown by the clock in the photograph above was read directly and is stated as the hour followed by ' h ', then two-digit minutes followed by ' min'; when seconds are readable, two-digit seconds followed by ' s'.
12 h 21 min
